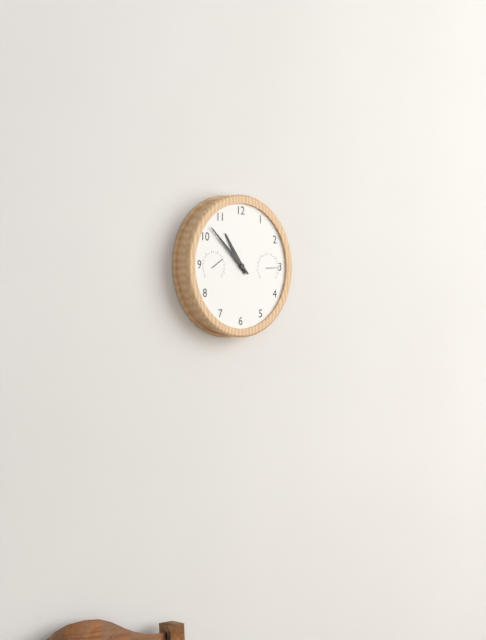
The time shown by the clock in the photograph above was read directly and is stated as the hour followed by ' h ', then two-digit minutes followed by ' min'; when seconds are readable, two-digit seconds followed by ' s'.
10 h 52 min
